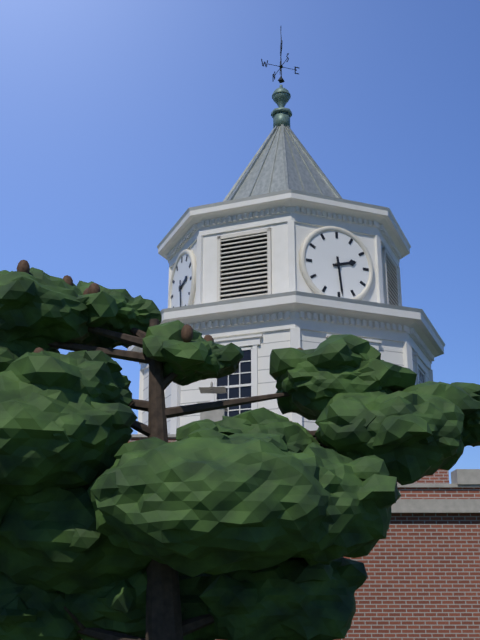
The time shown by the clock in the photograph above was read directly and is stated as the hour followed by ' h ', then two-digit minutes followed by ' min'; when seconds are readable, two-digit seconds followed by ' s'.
2 h 29 min
